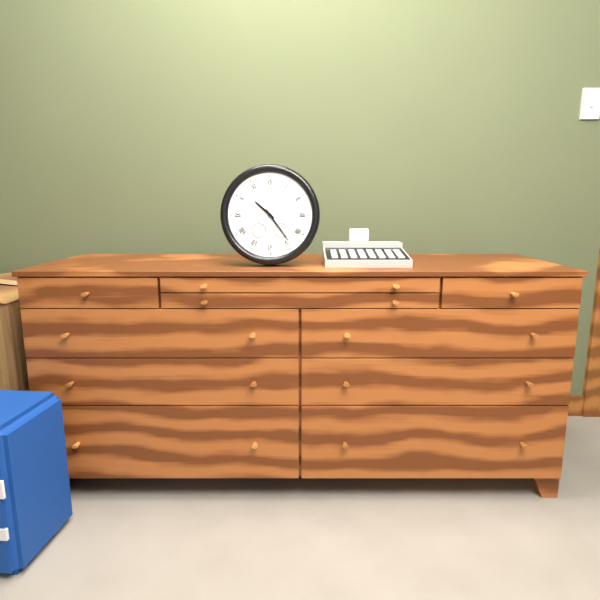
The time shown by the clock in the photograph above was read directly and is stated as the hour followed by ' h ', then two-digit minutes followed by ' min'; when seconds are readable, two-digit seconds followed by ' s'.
10 h 24 min
